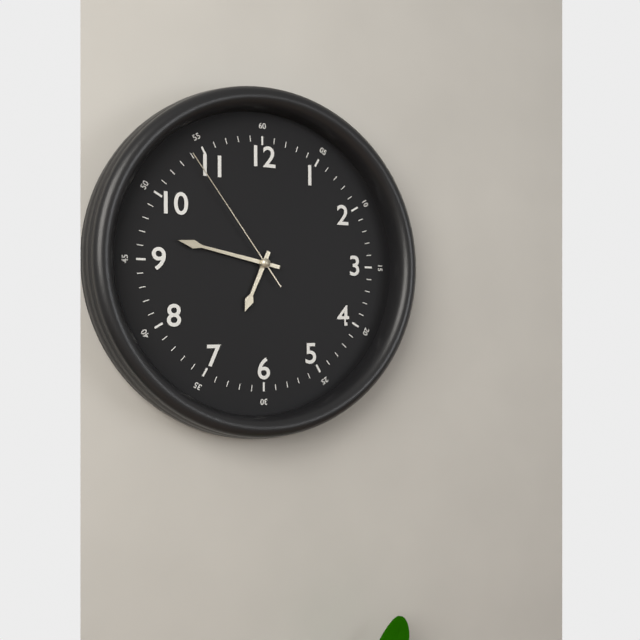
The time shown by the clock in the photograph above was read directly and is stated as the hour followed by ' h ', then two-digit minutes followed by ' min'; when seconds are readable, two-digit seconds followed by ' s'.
6 h 47 min 54 s
